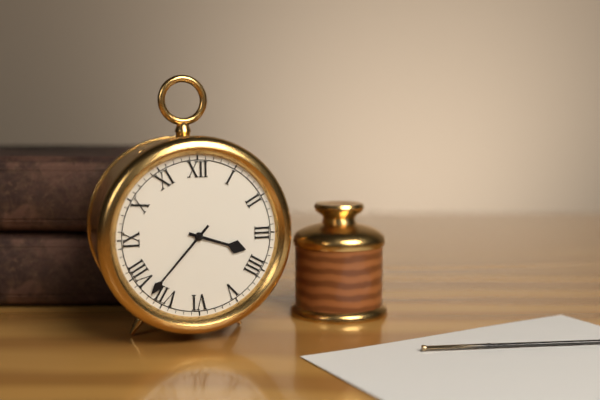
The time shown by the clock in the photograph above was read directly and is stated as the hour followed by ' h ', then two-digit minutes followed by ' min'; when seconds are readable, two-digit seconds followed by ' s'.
3 h 37 min
